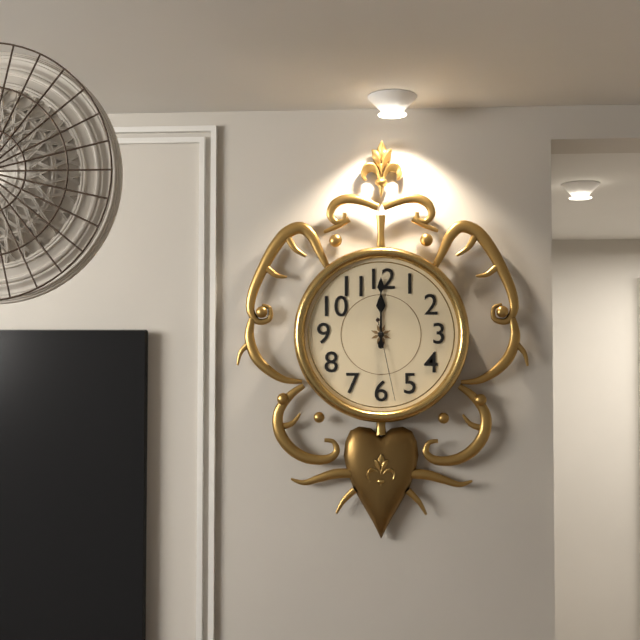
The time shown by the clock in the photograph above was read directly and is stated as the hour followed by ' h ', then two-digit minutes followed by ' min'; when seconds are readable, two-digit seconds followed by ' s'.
12 h 00 min 28 s
